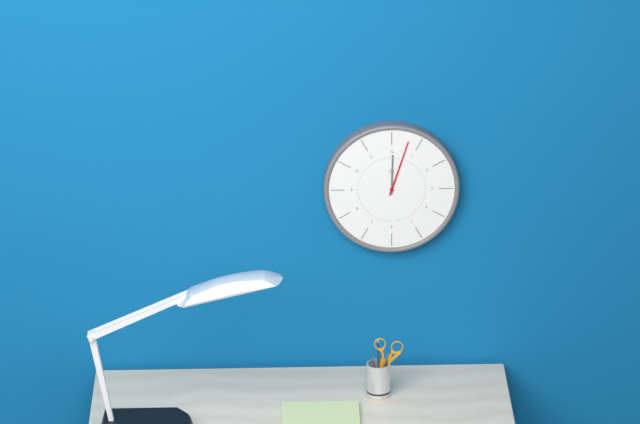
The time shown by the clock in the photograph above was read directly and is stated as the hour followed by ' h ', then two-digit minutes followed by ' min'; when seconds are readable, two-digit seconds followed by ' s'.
12 h 03 min
